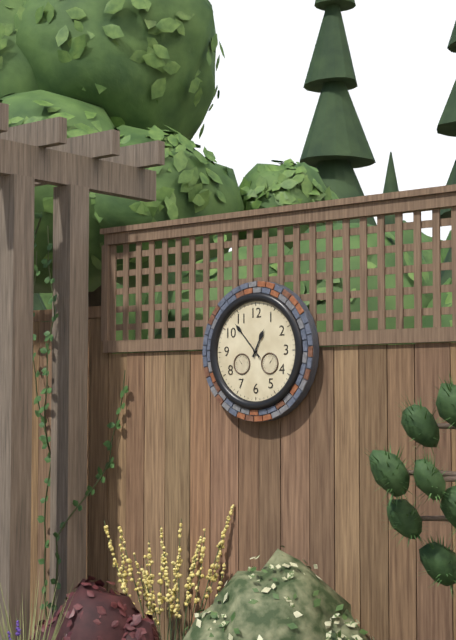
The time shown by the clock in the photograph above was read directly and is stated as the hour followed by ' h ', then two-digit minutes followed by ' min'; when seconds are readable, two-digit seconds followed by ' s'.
12 h 53 min
